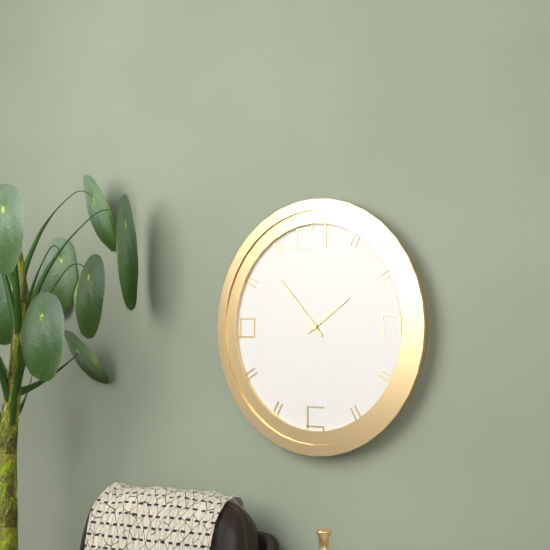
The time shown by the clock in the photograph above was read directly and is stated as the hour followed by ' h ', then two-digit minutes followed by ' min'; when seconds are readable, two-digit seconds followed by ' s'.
1 h 53 min
